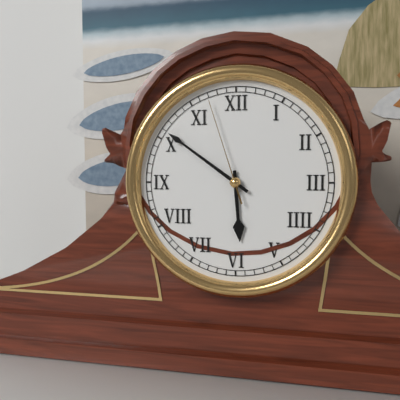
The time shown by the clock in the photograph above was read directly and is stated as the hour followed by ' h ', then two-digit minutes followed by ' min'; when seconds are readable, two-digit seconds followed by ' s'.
5 h 51 min 57 s
